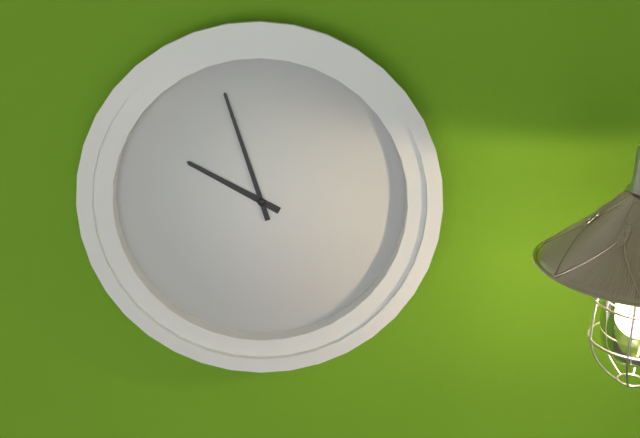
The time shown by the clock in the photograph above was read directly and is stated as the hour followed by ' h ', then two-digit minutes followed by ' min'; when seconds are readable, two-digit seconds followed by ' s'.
9 h 57 min
